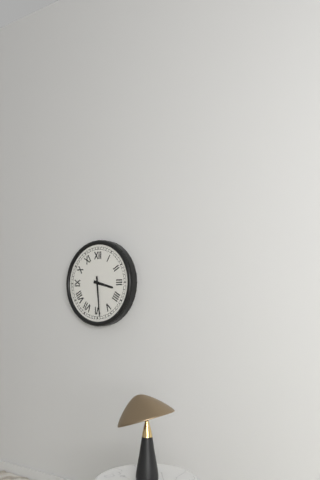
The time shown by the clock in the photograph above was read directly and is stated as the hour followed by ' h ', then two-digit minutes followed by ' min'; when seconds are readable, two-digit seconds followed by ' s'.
3 h 29 min
